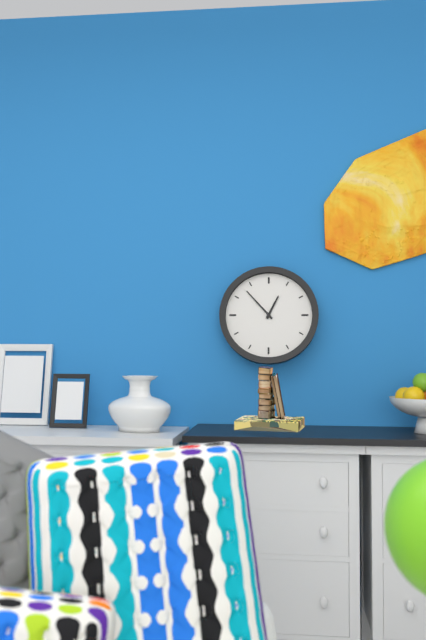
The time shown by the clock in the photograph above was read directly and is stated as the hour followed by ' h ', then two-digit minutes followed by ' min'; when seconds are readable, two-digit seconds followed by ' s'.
12 h 53 min
